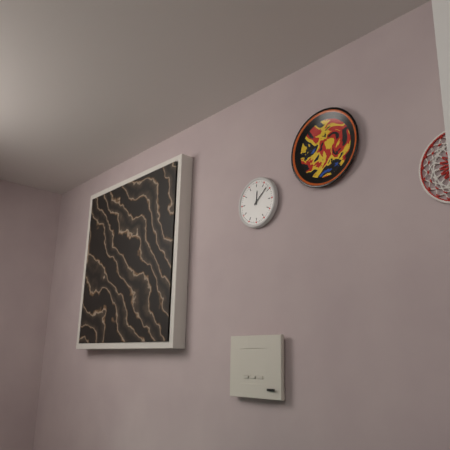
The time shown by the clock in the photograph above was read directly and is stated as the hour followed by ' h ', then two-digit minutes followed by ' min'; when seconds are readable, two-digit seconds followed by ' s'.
12 h 08 min
